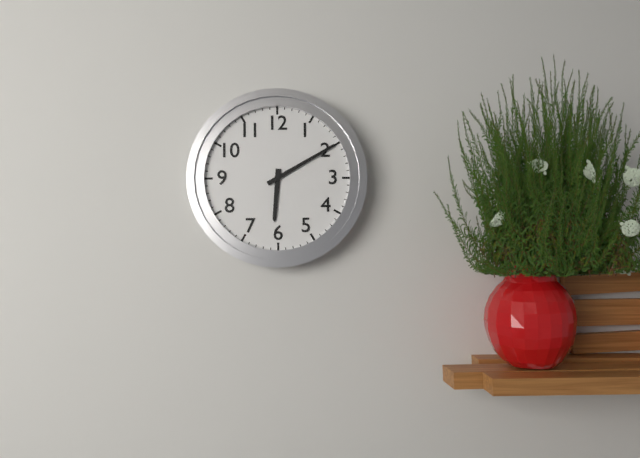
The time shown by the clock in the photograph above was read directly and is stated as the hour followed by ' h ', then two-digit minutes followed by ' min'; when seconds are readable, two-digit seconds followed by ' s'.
6 h 10 min
